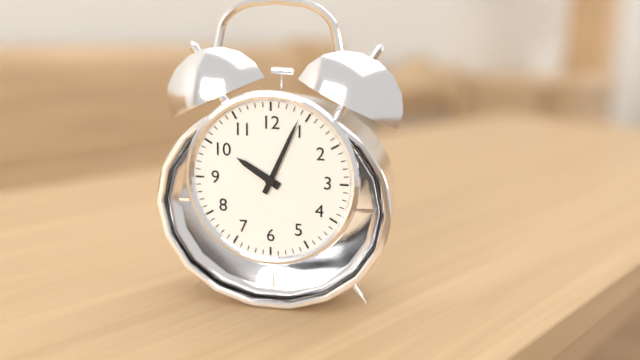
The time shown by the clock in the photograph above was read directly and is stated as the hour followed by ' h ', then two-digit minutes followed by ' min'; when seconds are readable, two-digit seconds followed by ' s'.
10 h 04 min
